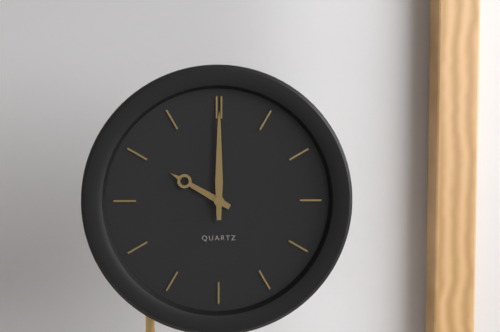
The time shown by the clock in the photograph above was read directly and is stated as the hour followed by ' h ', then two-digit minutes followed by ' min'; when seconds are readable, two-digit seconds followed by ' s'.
10 h 00 min
